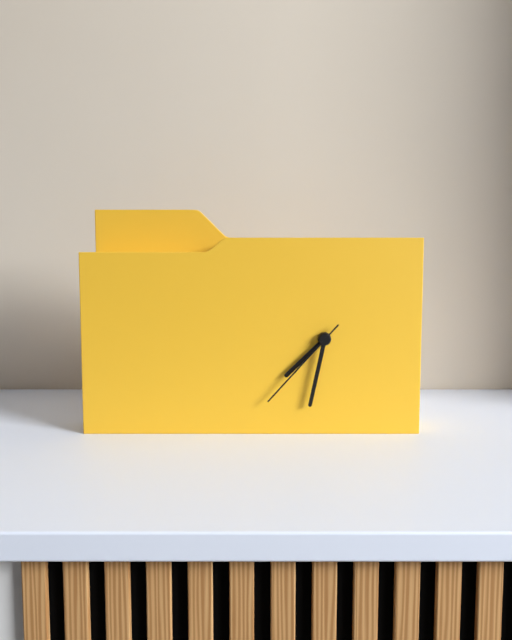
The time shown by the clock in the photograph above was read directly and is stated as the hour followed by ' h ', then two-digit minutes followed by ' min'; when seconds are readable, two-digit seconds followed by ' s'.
7 h 32 min 37 s
